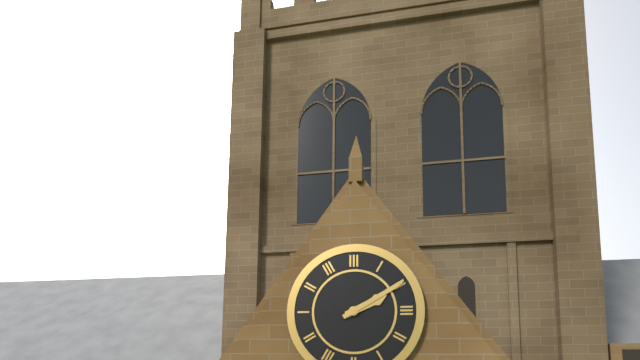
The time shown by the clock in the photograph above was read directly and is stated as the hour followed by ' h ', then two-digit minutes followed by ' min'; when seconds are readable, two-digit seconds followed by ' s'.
2 h 10 min
